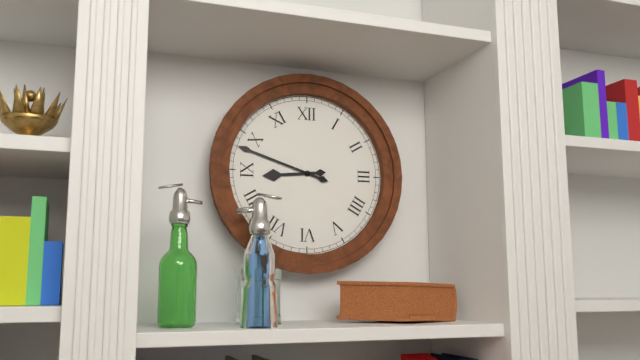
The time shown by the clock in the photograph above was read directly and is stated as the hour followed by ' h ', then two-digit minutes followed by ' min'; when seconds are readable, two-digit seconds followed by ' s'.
8 h 48 min
